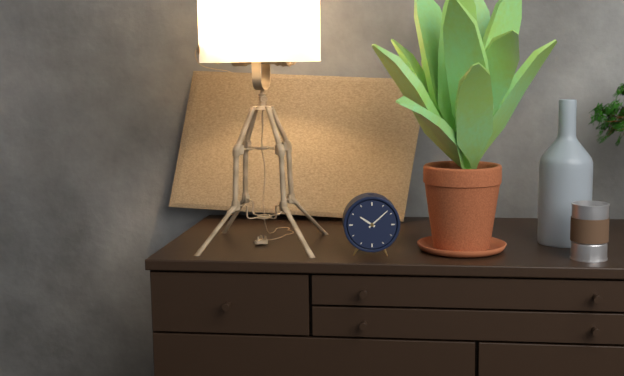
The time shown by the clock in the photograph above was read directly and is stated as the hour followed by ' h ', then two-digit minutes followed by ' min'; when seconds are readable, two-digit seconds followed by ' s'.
10 h 08 min
